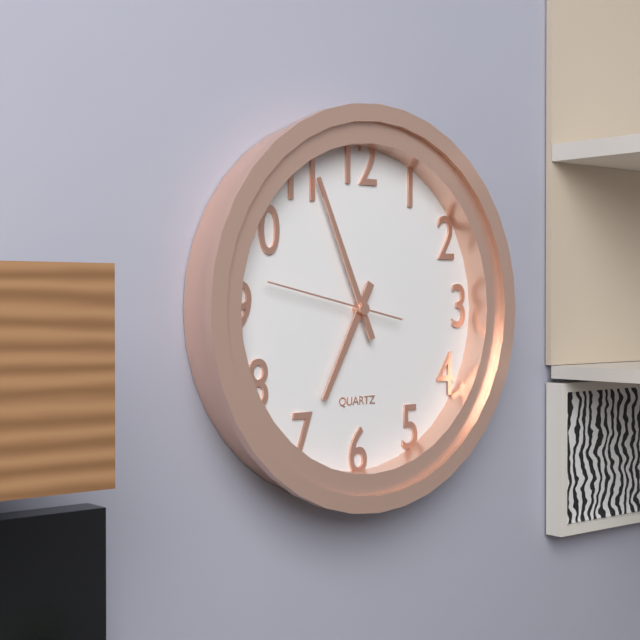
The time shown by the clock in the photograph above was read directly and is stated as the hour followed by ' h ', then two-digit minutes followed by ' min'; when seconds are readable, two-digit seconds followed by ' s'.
6 h 56 min 47 s
